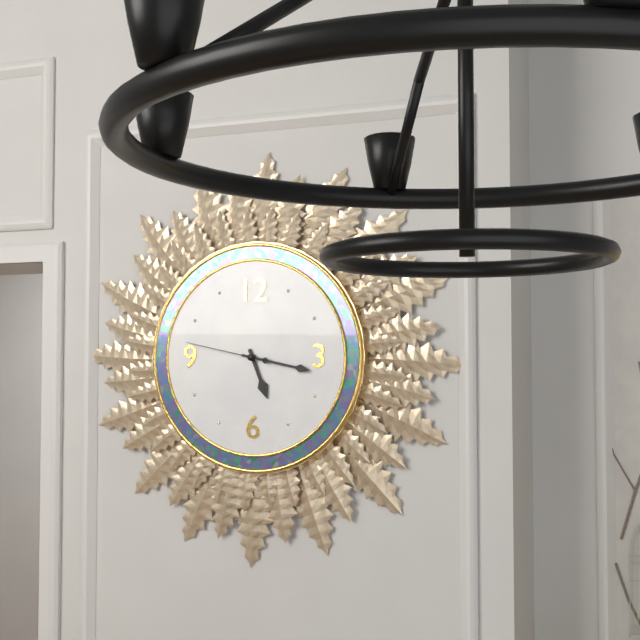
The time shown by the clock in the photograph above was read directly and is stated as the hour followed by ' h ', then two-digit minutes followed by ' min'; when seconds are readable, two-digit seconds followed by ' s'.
5 h 17 min 47 s
